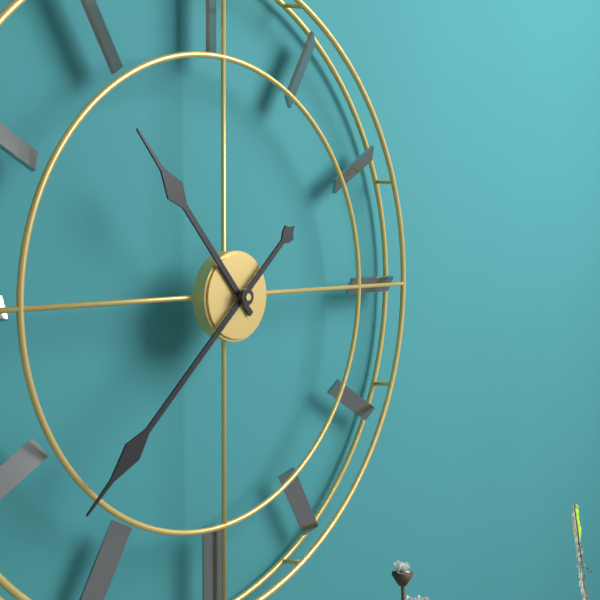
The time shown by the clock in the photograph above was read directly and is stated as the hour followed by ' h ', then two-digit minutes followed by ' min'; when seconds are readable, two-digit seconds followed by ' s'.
10 h 38 min
